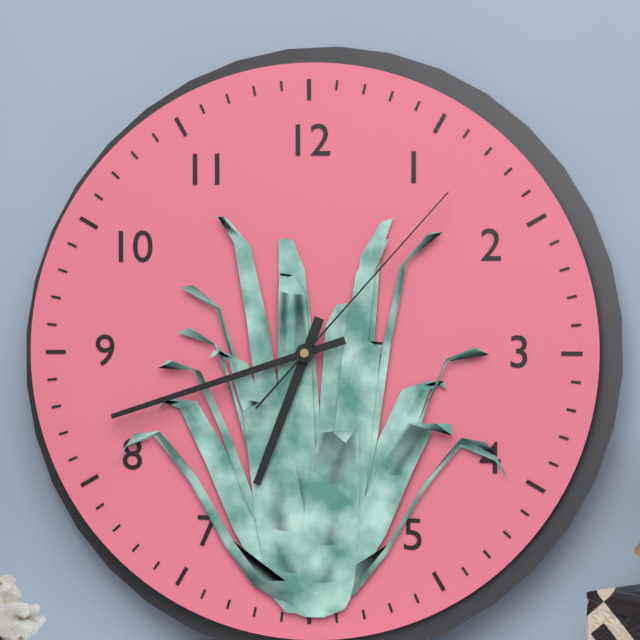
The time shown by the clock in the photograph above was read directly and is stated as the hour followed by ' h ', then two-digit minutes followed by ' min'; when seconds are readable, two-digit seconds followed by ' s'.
6 h 42 min 07 s
